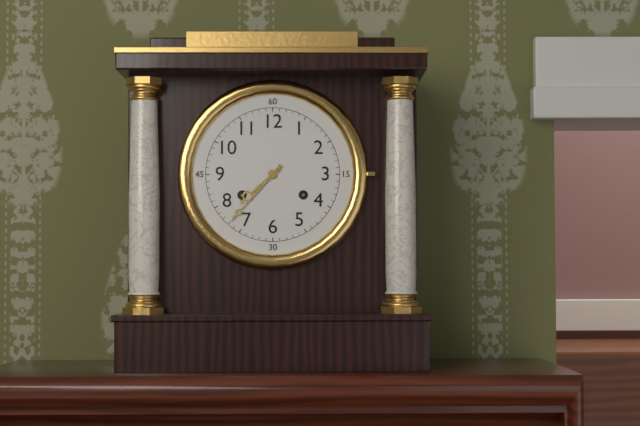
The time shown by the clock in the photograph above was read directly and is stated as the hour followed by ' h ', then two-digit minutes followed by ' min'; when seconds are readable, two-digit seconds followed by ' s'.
7 h 37 min
